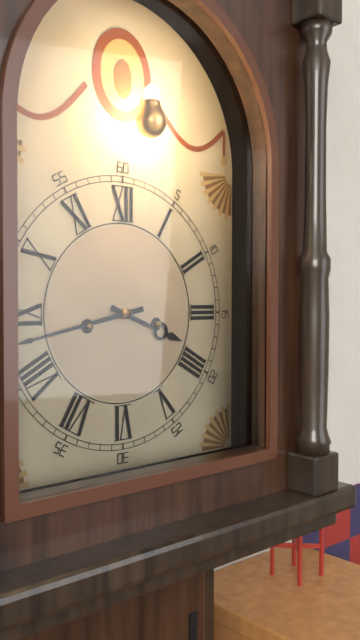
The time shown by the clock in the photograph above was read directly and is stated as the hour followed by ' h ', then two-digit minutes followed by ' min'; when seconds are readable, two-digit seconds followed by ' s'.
3 h 43 min
